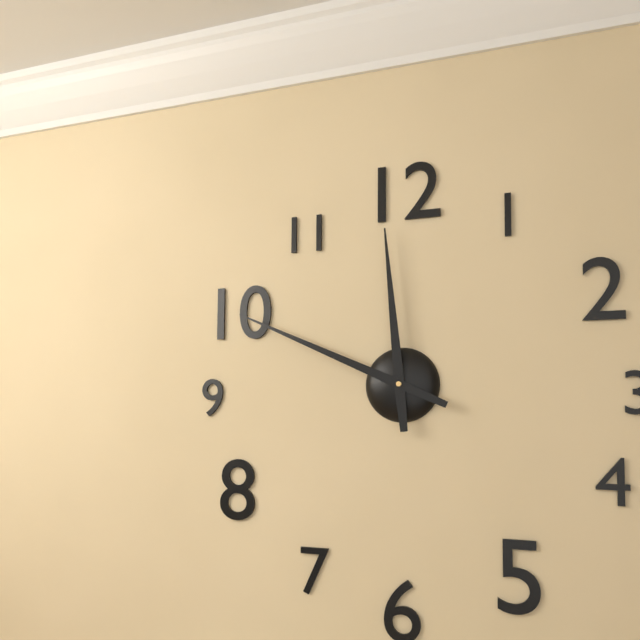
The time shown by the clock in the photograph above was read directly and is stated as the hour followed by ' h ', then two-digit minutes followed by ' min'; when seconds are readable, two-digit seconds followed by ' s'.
11 h 49 min
